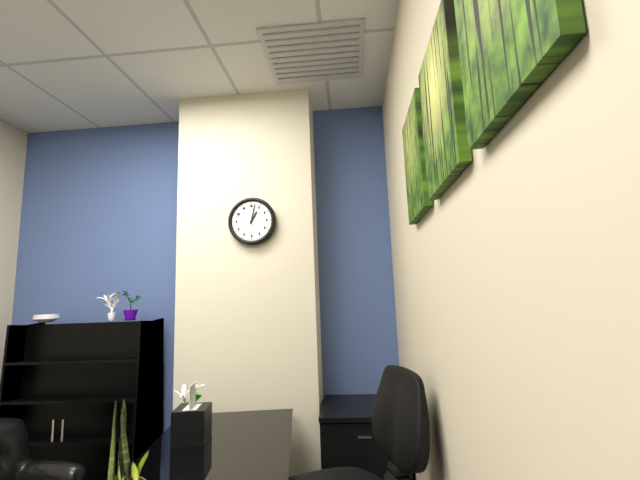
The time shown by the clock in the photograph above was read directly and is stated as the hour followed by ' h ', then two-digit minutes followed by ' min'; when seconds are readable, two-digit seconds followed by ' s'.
1 h 02 min
